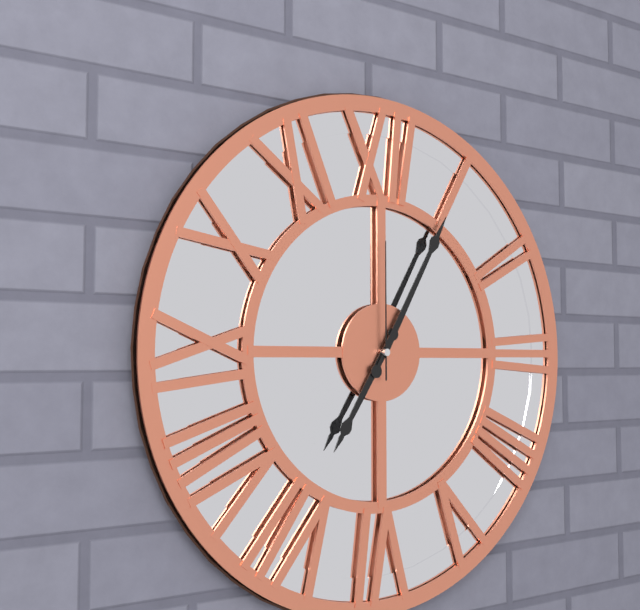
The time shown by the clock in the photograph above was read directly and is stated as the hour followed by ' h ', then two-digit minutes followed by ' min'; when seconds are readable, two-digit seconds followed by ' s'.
7 h 05 min 00 s
